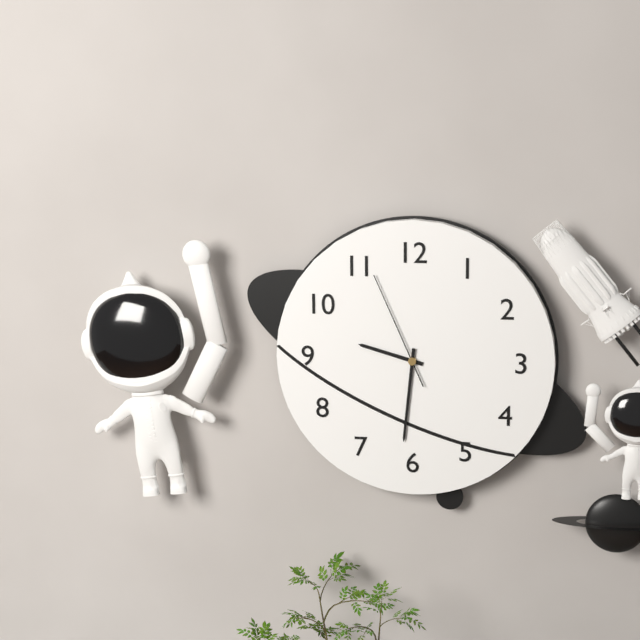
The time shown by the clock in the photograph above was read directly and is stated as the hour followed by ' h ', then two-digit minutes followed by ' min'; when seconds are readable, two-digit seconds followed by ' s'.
9 h 31 min 56 s
